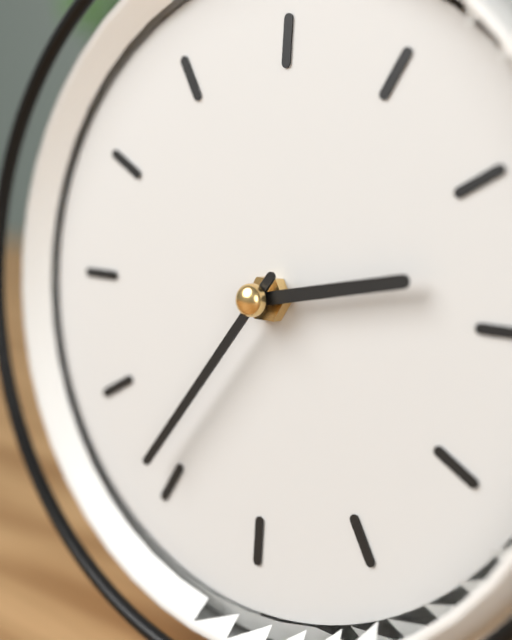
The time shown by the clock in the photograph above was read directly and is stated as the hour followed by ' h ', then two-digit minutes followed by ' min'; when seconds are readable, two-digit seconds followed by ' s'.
2 h 36 min
